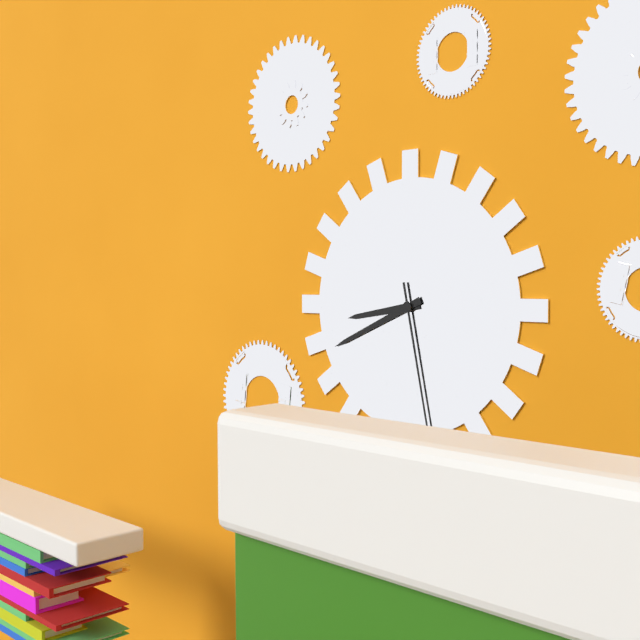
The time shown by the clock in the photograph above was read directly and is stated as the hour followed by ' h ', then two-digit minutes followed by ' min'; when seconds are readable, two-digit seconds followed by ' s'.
8 h 41 min 28 s
